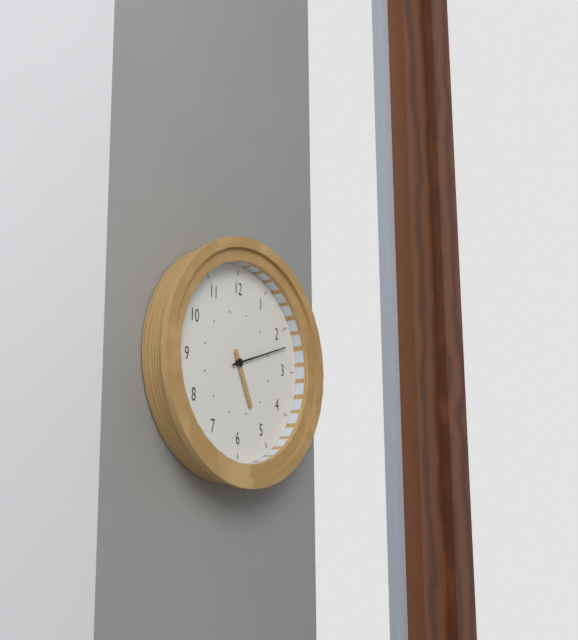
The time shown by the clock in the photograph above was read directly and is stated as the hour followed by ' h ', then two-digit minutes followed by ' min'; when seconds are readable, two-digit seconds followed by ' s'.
5 h 12 min
